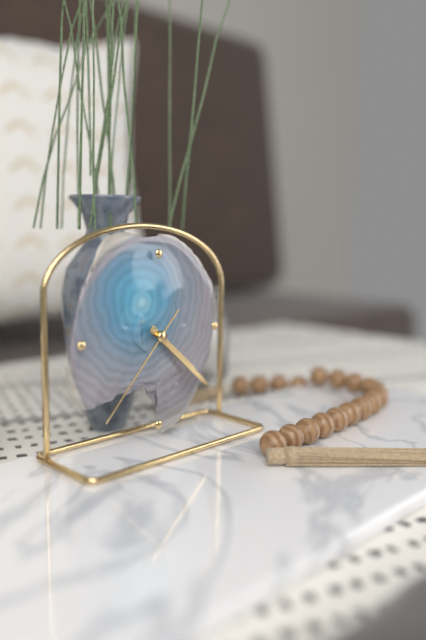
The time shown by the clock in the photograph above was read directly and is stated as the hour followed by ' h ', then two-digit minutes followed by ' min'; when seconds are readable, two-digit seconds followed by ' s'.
4 h 22 min 37 s
